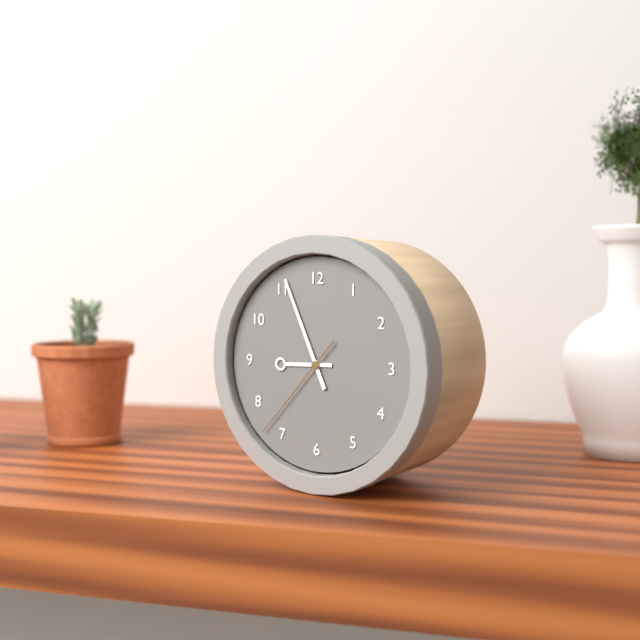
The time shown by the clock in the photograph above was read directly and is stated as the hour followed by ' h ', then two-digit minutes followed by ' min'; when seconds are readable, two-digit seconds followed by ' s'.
8 h 56 min 37 s
